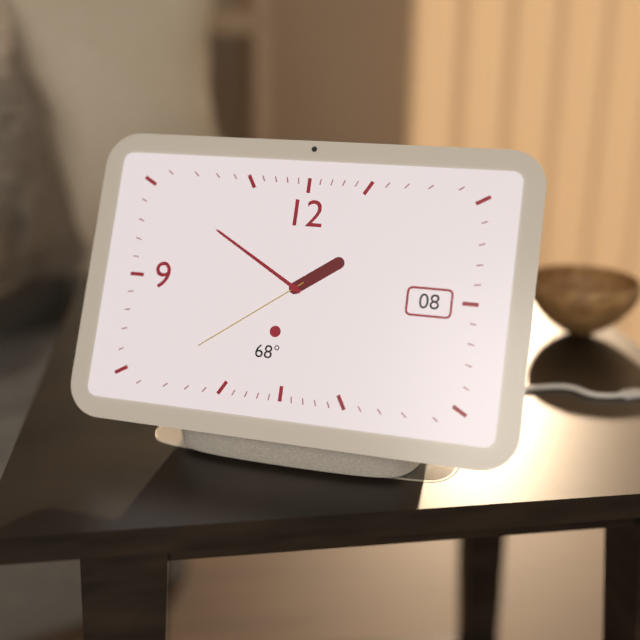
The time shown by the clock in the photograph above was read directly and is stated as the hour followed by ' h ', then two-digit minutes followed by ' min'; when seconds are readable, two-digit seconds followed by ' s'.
1 h 50 min 39 s
